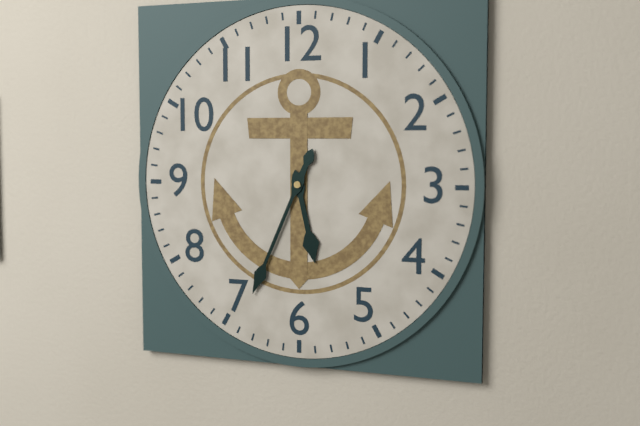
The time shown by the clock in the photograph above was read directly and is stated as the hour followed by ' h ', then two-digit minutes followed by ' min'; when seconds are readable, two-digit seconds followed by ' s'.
5 h 34 min
